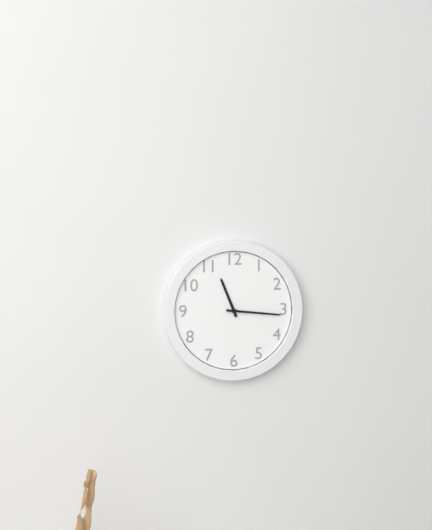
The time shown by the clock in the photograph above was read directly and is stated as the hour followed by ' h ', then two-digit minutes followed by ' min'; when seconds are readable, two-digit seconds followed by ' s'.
11 h 16 min
